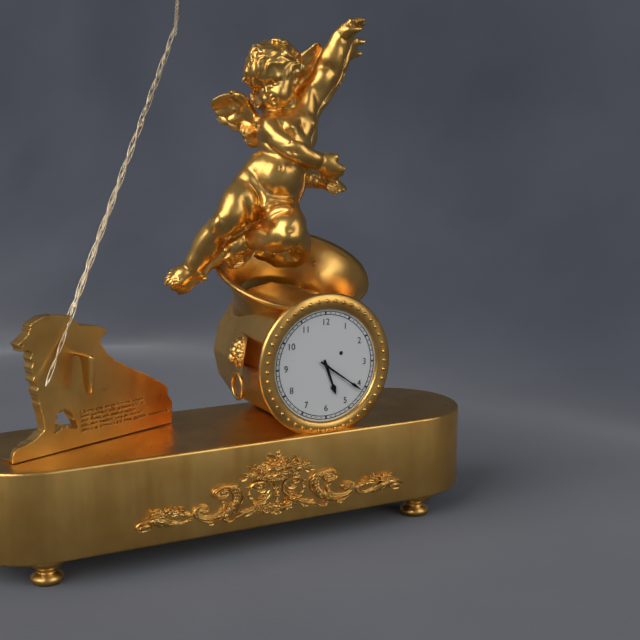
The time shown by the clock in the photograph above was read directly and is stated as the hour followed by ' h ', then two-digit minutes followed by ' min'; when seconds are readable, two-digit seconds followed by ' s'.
5 h 21 min
